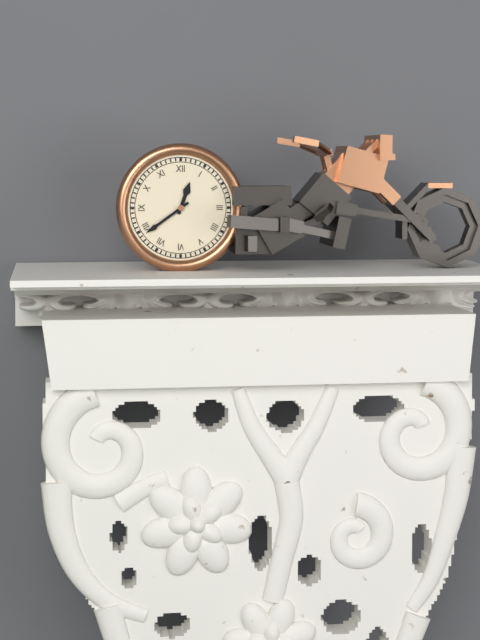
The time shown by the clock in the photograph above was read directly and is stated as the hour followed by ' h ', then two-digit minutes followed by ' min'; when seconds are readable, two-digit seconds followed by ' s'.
12 h 39 min
